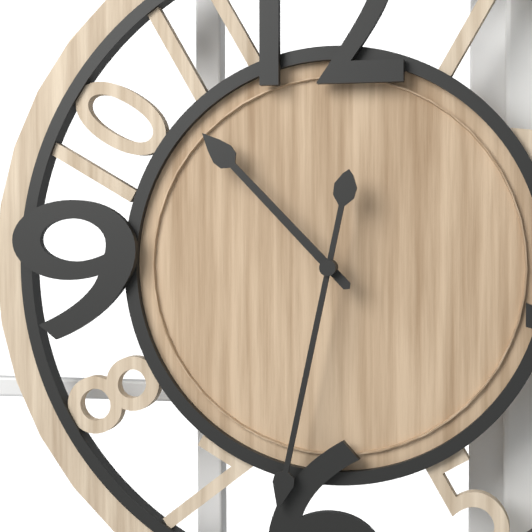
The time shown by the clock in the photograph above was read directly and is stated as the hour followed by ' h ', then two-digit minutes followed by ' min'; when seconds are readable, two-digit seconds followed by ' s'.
10 h 32 min
